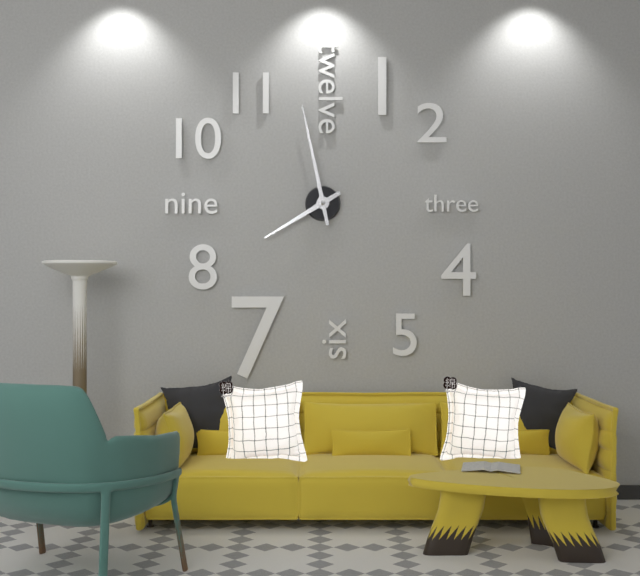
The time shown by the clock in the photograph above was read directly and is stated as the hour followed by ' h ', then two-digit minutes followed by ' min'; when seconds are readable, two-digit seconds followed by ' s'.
7 h 58 min
